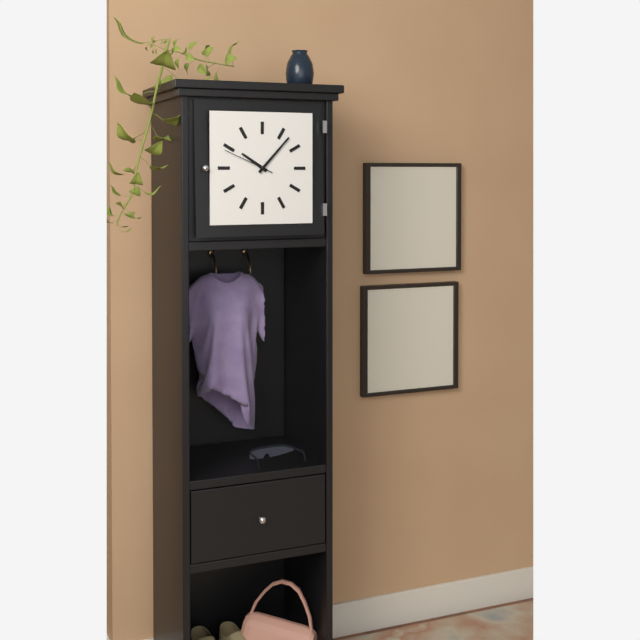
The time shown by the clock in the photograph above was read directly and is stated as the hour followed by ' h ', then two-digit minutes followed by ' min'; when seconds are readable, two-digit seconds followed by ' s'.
10 h 07 min 49 s
